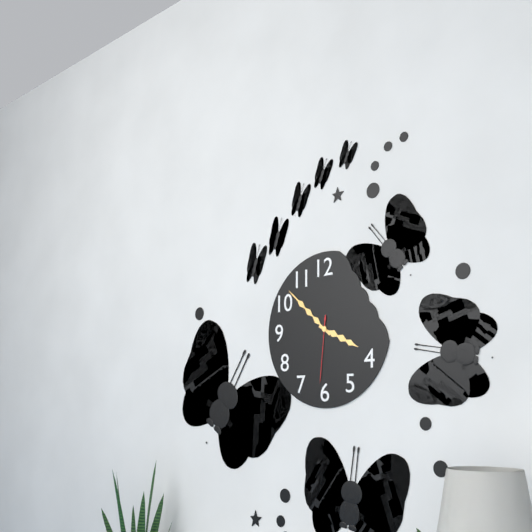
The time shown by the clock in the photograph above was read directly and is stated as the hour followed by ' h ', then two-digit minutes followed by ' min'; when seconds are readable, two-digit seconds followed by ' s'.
3 h 52 min 31 s
